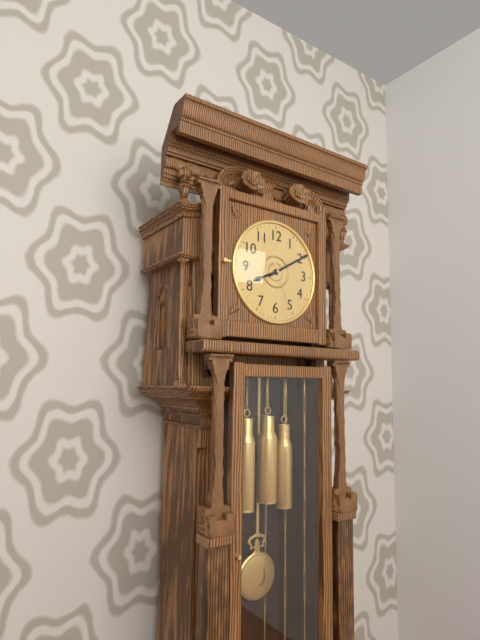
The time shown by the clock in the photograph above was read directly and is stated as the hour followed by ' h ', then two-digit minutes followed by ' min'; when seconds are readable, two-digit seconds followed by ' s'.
8 h 10 min 26 s
